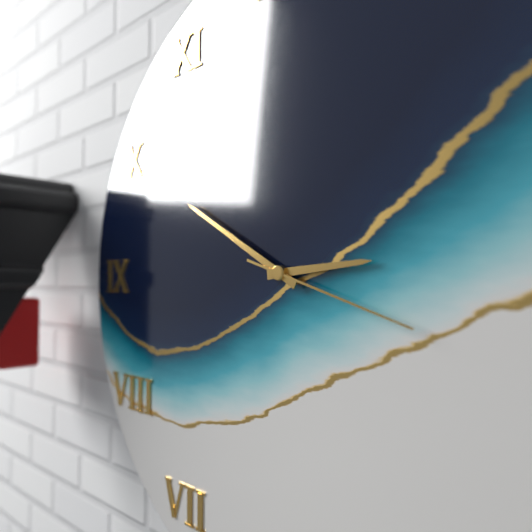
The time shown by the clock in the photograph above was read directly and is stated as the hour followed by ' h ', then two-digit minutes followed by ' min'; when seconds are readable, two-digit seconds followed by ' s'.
2 h 50 min 18 s
